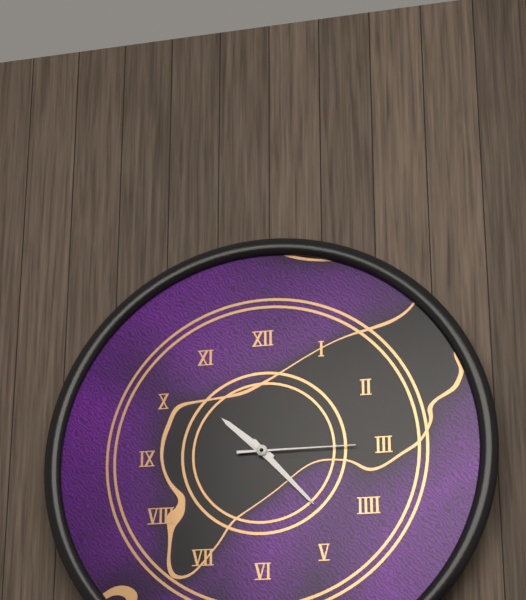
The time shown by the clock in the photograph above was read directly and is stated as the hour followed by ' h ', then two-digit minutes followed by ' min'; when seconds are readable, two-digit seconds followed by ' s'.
10 h 23 min 15 s
